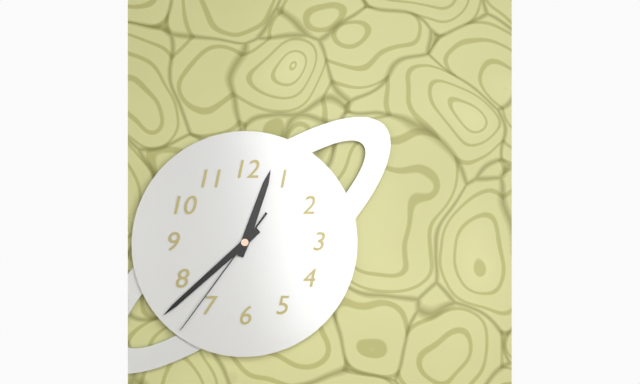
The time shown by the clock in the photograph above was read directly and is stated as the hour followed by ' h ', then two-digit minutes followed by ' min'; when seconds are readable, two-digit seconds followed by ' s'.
12 h 38 min 36 s
